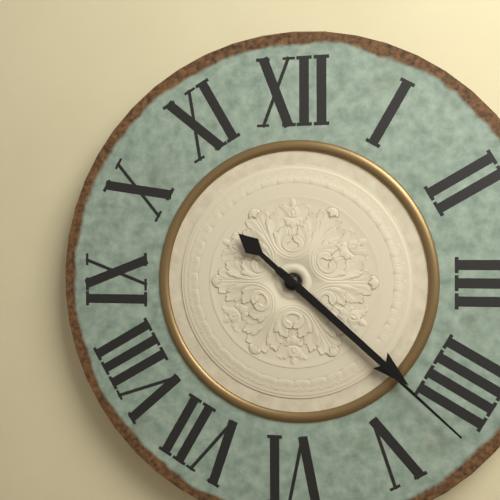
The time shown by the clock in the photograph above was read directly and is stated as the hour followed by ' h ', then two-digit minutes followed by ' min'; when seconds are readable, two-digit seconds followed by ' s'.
4 h 22 min
